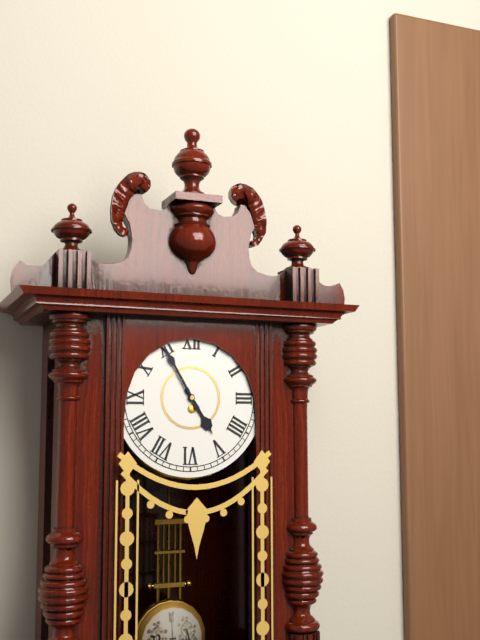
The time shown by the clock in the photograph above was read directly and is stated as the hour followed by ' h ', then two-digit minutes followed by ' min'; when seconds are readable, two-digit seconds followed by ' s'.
4 h 55 min
